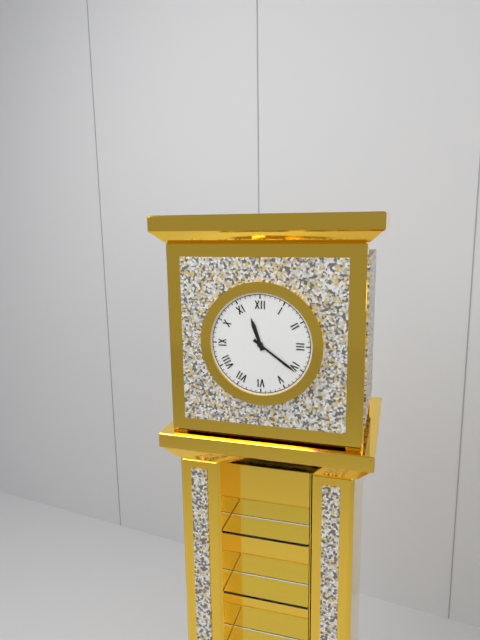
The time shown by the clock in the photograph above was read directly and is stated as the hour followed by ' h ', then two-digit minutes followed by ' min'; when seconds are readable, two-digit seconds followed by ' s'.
11 h 21 min
